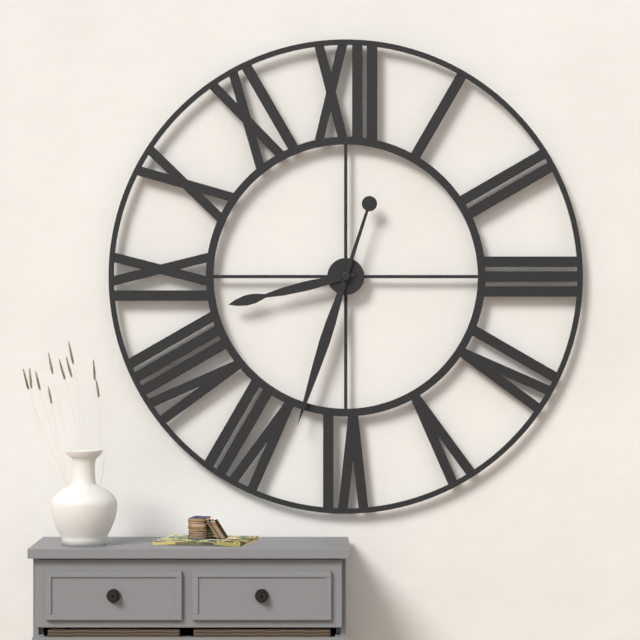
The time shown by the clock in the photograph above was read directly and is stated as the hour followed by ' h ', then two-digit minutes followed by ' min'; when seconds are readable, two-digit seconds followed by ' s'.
8 h 33 min
